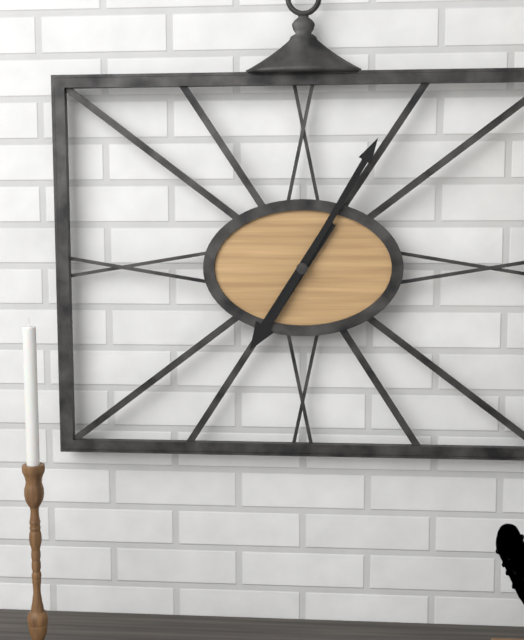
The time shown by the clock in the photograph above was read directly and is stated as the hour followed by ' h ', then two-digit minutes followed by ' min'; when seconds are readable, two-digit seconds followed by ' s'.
7 h 05 min
